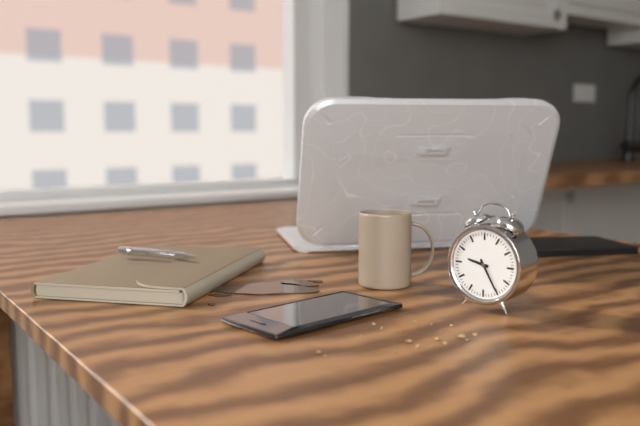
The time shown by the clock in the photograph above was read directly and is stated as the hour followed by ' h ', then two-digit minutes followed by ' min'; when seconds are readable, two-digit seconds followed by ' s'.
9 h 25 min
